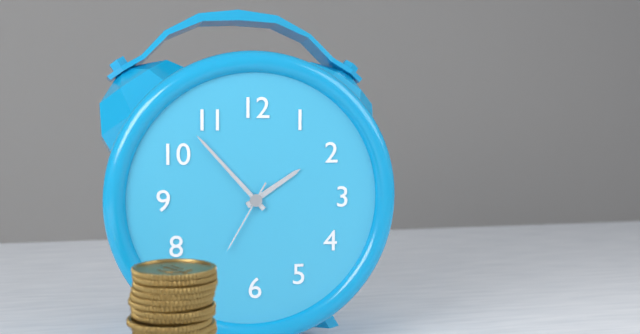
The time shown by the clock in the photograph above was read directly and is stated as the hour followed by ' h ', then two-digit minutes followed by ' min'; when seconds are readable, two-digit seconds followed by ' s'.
1 h 53 min 35 s
